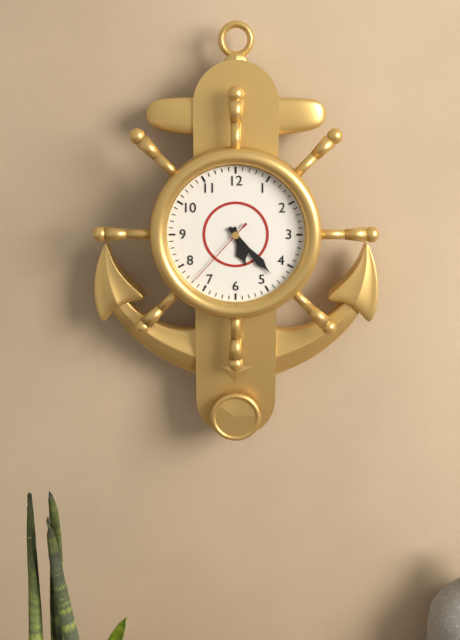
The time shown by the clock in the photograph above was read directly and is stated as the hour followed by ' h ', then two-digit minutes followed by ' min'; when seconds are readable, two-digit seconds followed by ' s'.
5 h 23 min 37 s
